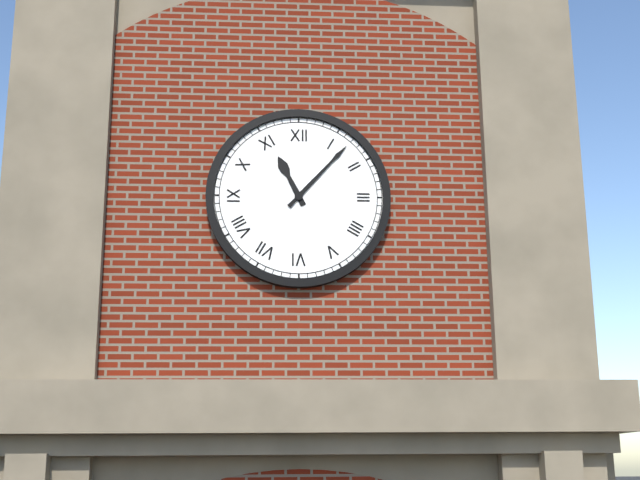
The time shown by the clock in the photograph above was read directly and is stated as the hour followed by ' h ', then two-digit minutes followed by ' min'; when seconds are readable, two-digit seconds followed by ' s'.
11 h 07 min
